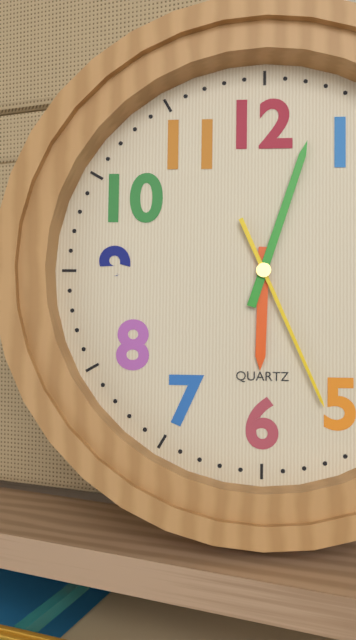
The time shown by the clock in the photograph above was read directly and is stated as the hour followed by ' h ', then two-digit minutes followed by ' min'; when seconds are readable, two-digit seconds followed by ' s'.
6 h 03 min 26 s
